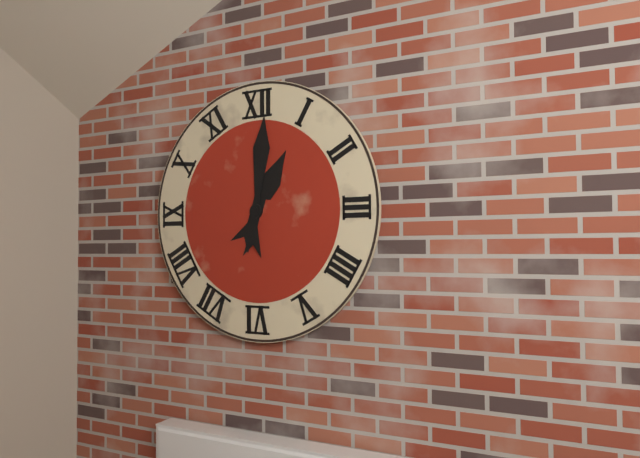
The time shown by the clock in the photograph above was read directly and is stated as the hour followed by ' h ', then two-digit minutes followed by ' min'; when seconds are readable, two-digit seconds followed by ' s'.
1 h 01 min
